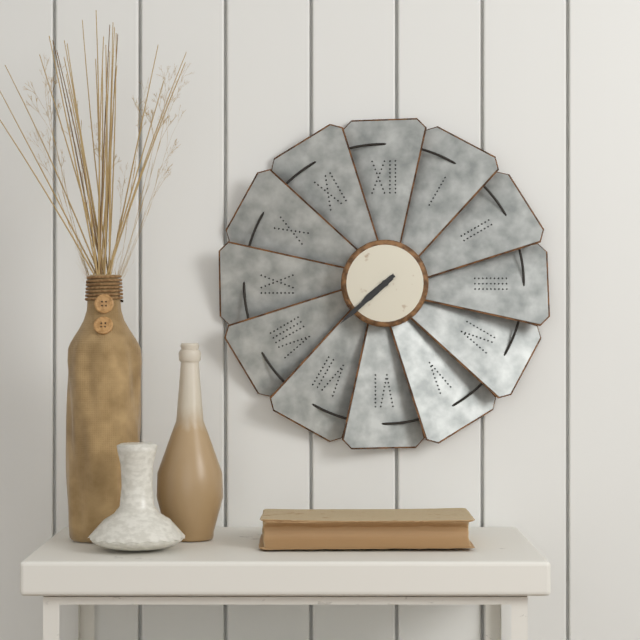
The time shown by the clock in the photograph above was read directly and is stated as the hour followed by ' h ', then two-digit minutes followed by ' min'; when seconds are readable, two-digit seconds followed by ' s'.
7 h 38 min
